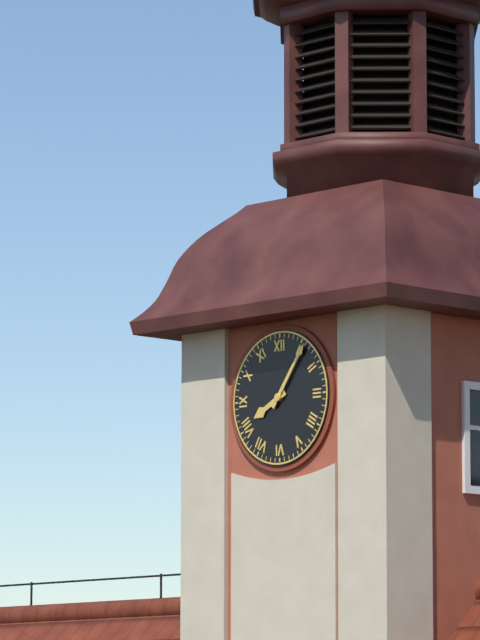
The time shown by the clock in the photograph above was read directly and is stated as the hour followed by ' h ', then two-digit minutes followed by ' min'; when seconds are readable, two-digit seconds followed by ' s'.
8 h 06 min
